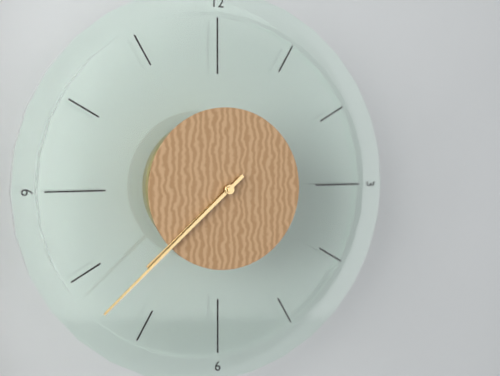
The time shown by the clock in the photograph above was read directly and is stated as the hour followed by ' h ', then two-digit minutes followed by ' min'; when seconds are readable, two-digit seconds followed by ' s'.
7 h 38 min
